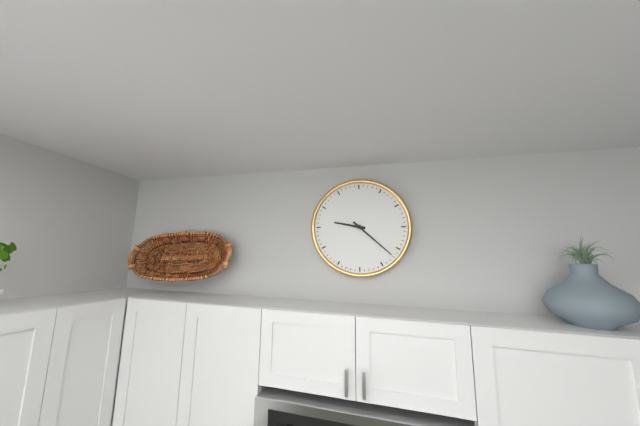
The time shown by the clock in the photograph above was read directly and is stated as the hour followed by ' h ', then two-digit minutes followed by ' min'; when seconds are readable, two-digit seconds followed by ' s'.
9 h 22 min
